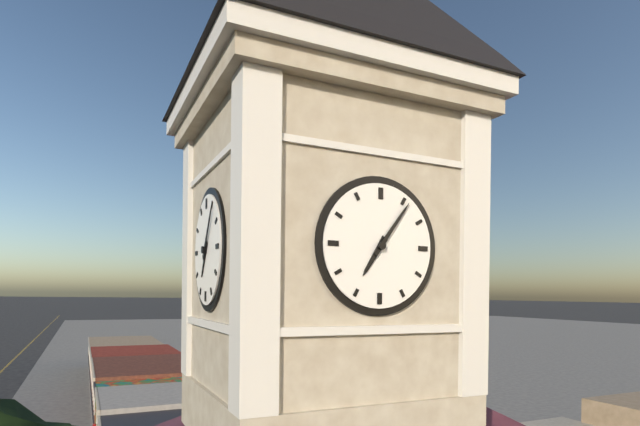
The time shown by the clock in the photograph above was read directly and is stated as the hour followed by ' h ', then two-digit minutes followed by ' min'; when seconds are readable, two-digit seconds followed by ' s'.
7 h 06 min
